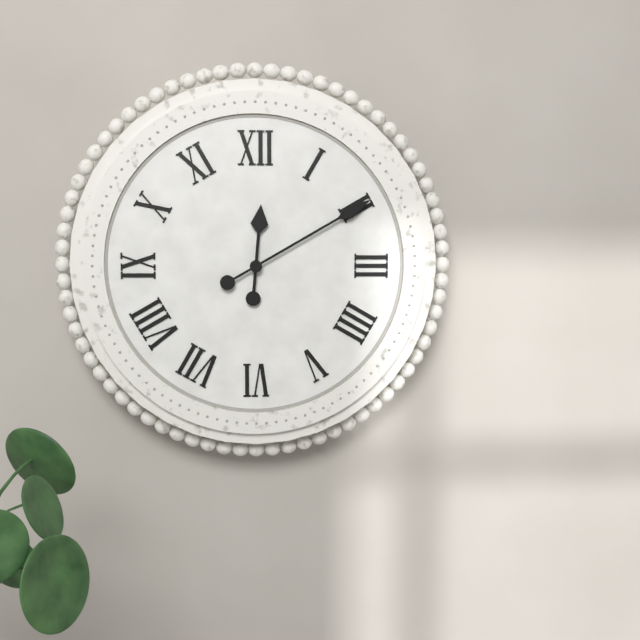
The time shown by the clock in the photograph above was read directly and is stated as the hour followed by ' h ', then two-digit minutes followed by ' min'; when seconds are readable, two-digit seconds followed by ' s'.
12 h 10 min
